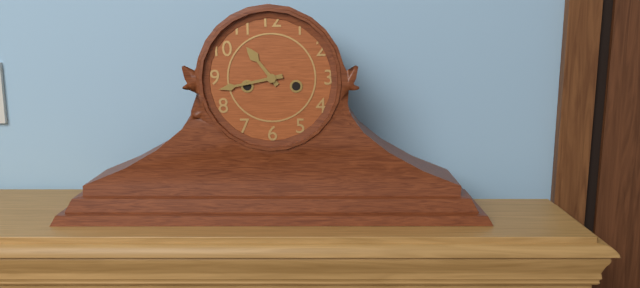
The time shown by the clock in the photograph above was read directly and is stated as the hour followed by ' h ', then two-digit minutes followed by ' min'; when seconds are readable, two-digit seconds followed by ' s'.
10 h 43 min
